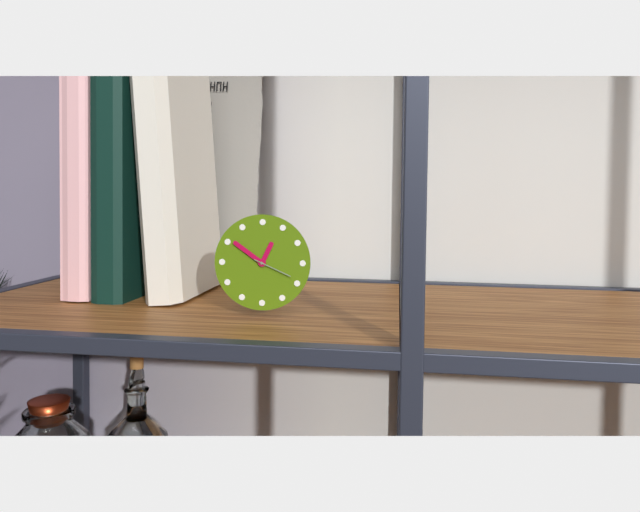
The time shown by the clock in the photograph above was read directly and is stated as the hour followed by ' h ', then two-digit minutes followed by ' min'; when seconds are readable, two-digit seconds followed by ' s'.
12 h 51 min
